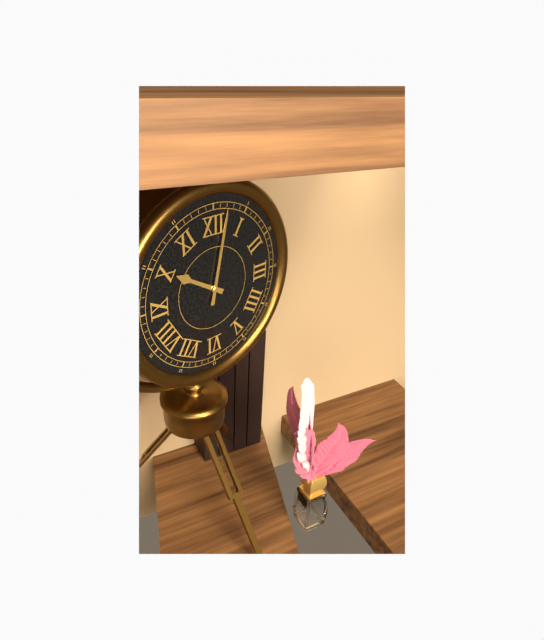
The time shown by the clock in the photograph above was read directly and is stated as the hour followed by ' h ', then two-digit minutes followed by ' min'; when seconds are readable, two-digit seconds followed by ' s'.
10 h 02 min
